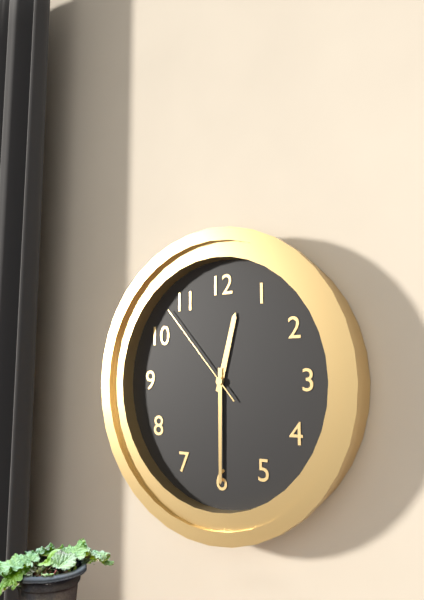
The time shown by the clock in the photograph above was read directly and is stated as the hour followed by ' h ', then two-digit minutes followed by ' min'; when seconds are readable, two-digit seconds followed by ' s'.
12 h 30 min 53 s
